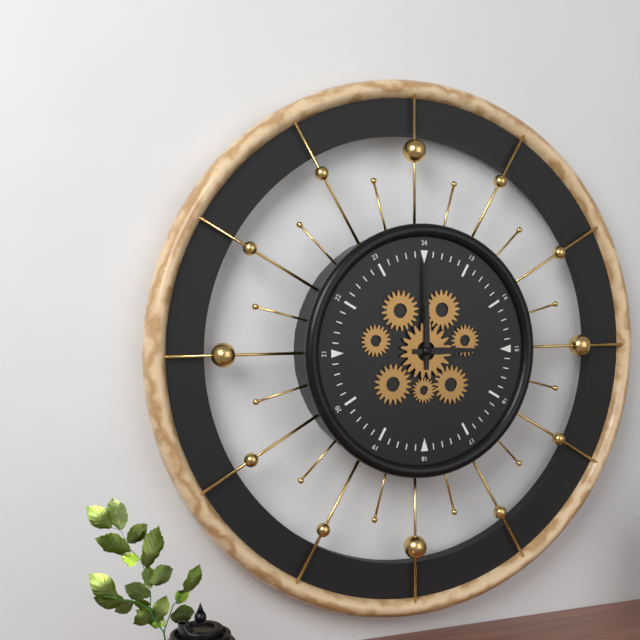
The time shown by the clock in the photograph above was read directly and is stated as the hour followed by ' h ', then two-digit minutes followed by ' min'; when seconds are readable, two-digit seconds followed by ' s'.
3 h 00 min
